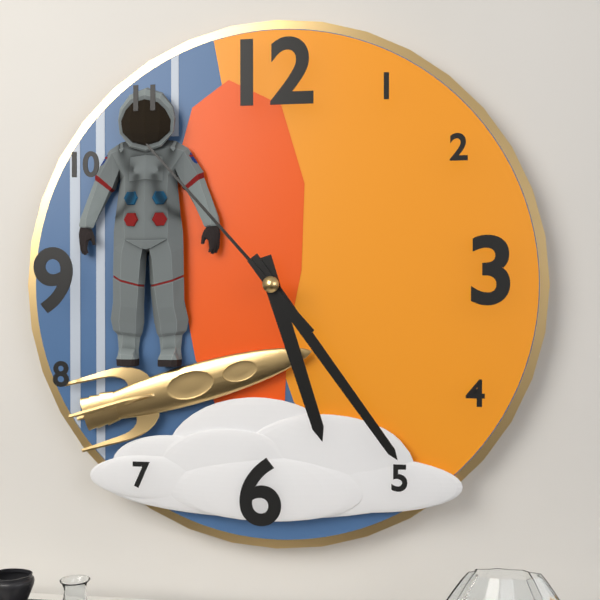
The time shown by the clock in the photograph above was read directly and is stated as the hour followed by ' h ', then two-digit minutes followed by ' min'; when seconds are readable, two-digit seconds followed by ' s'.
5 h 24 min 53 s
